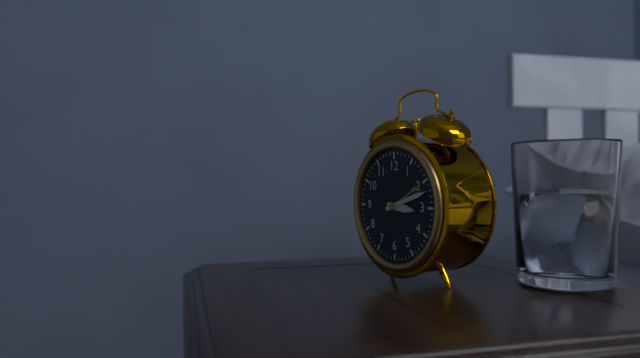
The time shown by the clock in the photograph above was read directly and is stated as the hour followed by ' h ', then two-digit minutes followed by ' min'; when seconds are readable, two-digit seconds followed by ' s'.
3 h 12 min
